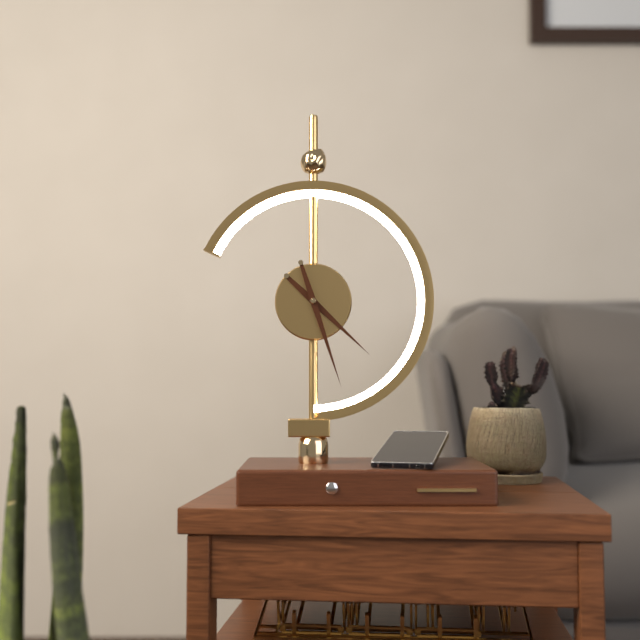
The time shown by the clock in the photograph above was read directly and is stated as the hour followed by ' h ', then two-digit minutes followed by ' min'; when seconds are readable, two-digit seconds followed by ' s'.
4 h 27 min
